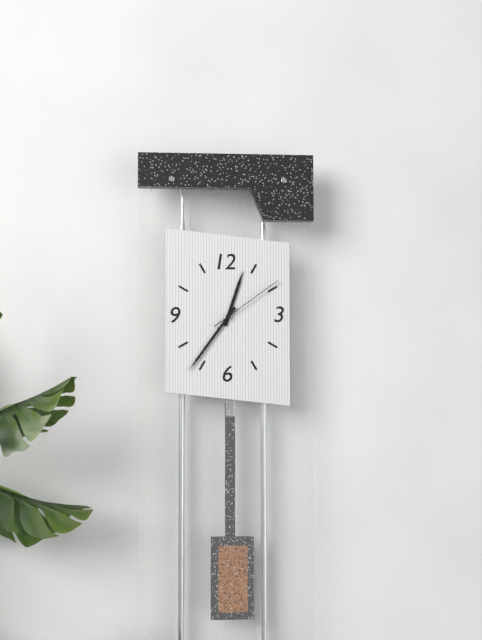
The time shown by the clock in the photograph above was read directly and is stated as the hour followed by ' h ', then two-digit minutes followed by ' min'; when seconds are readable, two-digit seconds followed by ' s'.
12 h 36 min 09 s
